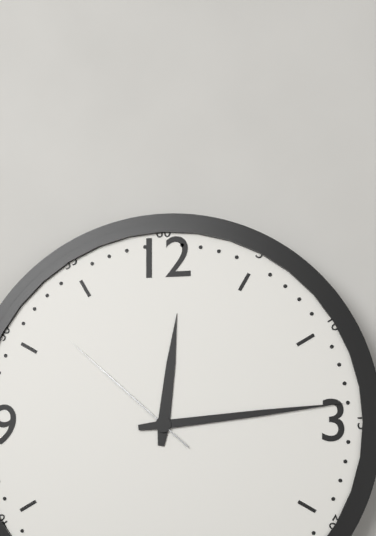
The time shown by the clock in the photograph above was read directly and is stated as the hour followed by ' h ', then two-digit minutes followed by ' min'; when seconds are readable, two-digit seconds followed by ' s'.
12 h 14 min 52 s
